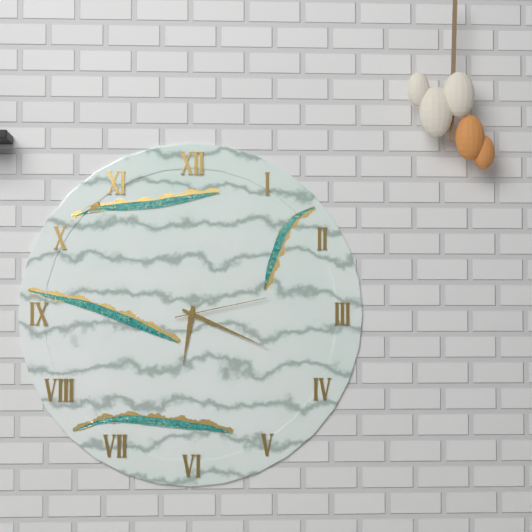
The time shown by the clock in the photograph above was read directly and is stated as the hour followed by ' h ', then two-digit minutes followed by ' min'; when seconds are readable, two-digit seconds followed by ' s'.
6 h 19 min 13 s
